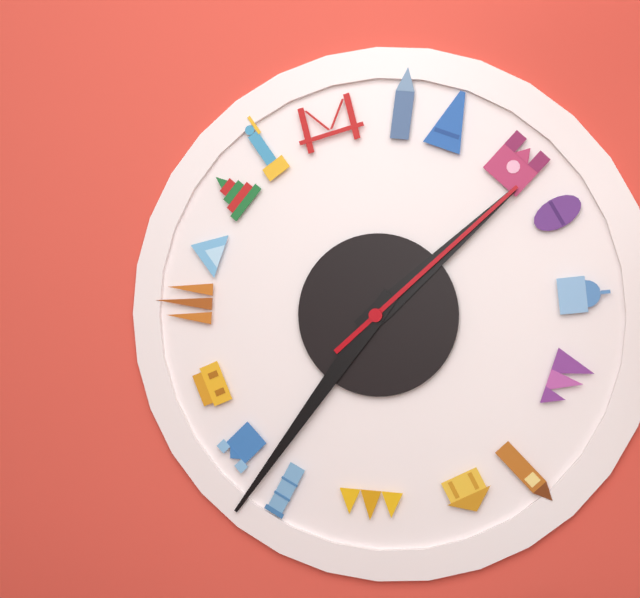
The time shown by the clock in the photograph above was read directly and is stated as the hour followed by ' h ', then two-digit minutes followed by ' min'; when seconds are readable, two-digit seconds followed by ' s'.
1 h 36 min 08 s
